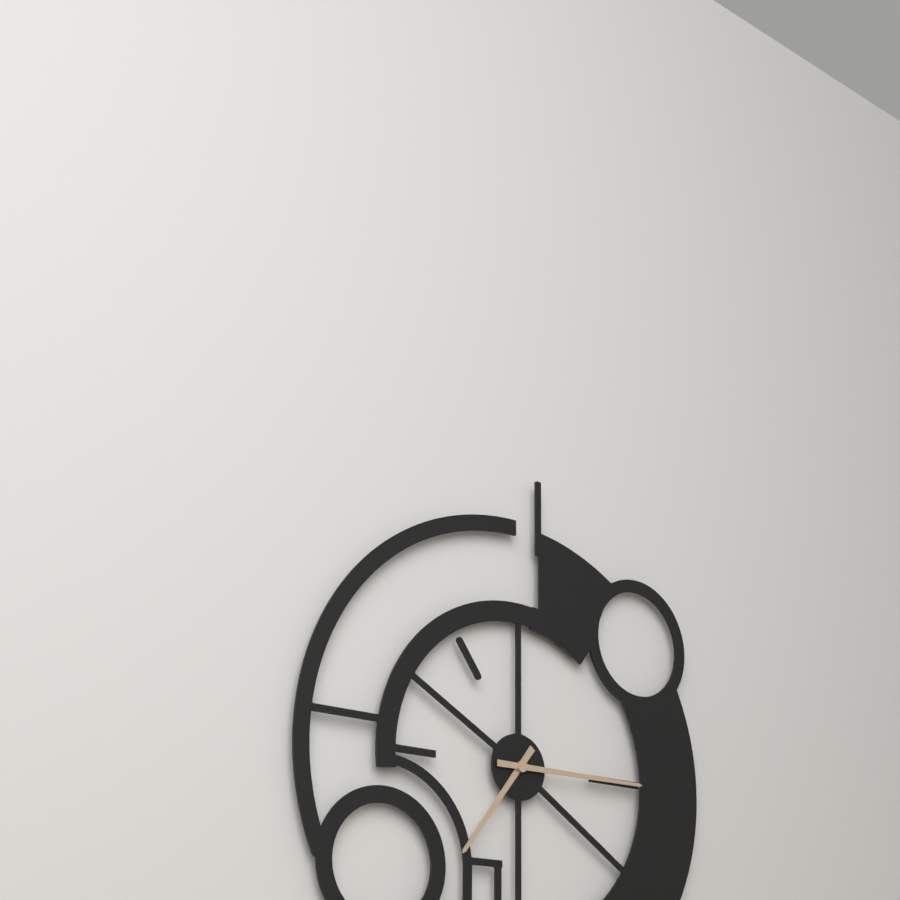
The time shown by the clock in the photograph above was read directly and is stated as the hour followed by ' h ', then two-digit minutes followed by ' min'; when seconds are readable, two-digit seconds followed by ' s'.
7 h 15 min
